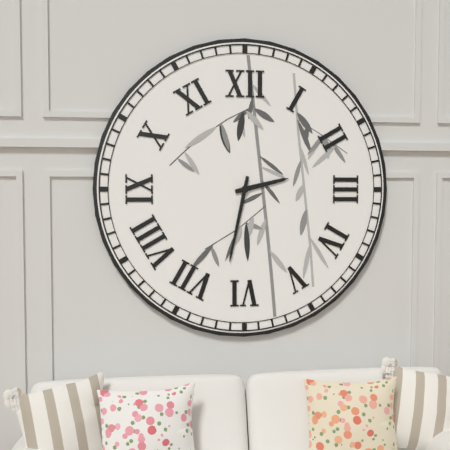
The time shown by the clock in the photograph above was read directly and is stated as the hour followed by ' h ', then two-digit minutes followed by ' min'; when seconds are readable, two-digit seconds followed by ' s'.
2 h 32 min
